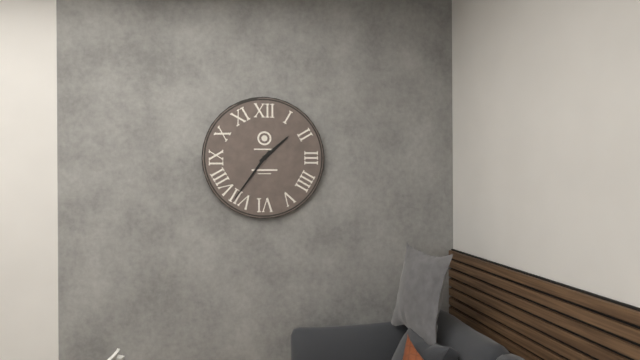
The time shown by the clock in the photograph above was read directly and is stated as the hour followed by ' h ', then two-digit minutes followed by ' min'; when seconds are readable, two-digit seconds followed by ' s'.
1 h 36 min
